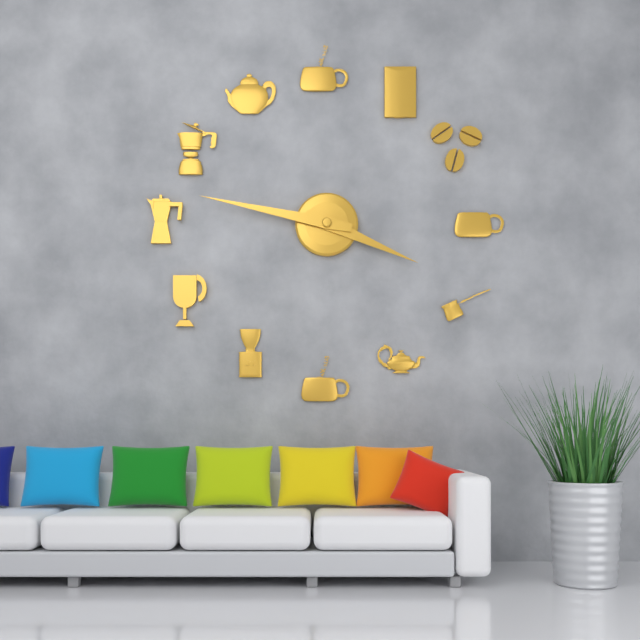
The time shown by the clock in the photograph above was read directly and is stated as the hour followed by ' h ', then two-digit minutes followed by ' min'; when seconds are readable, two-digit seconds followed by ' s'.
3 h 47 min
